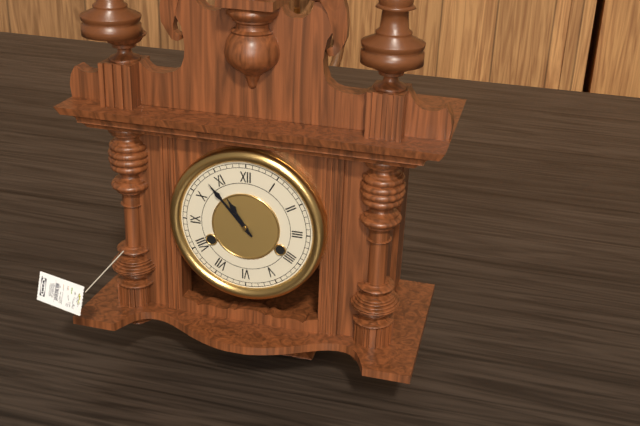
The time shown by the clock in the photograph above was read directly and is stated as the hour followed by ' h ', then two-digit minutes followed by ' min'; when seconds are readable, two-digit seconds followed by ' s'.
10 h 53 min
